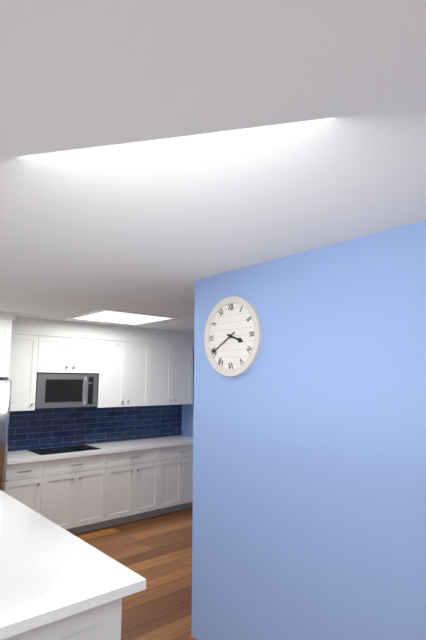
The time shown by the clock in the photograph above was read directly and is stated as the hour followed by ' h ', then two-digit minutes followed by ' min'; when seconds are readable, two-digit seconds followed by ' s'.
3 h 40 min
